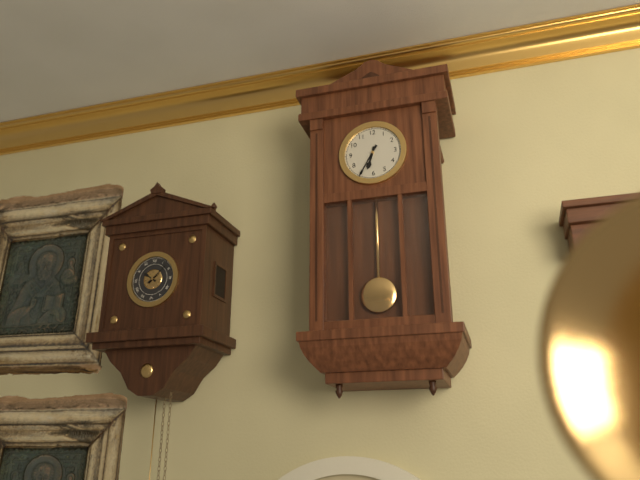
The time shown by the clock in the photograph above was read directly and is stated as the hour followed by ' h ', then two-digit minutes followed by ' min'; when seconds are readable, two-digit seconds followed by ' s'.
6 h 35 min
